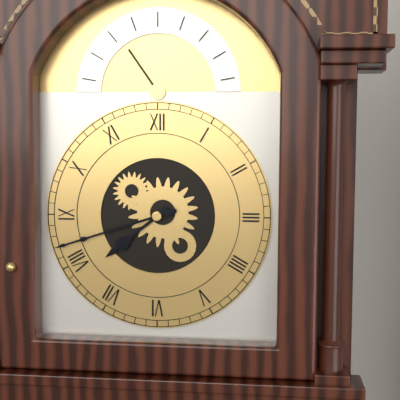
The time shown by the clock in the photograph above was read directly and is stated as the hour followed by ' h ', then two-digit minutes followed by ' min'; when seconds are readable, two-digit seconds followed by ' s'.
7 h 42 min
